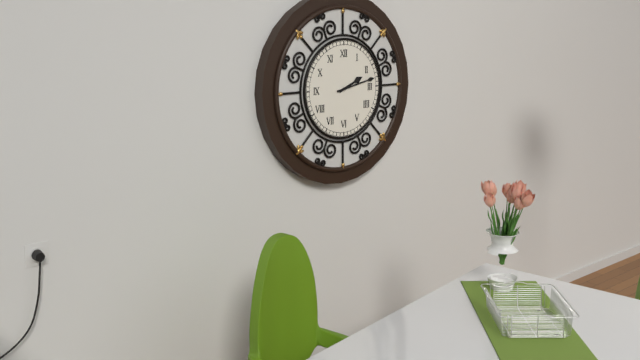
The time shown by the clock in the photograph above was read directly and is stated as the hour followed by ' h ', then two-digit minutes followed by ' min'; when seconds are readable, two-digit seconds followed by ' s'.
2 h 13 min
